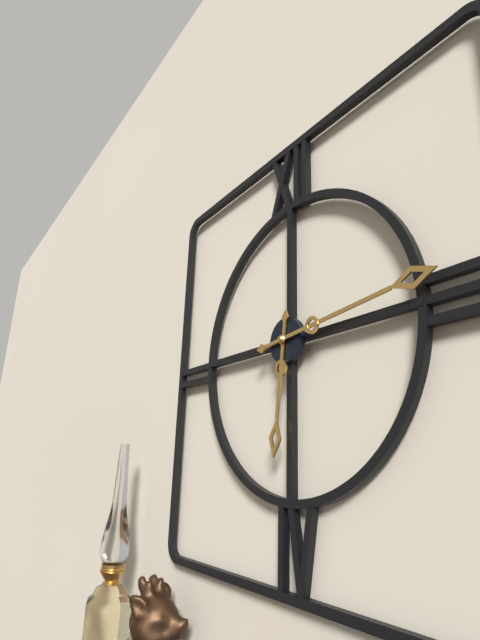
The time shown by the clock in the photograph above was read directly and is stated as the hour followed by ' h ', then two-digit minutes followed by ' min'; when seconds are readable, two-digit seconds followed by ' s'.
6 h 14 min
